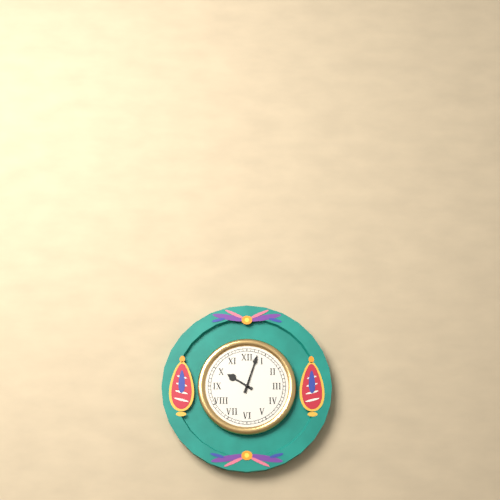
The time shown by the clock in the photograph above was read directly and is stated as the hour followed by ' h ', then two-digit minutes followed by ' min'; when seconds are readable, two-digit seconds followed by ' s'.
10 h 03 min
